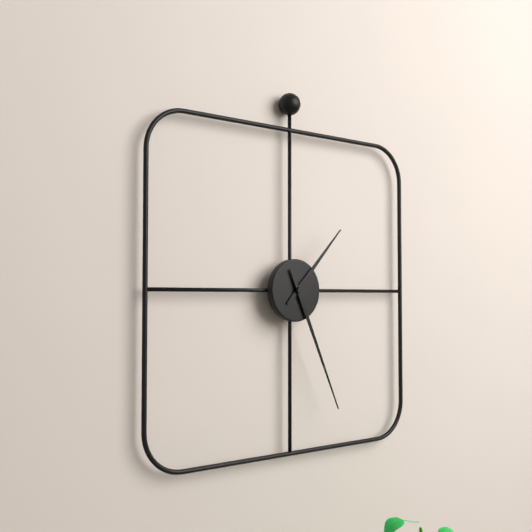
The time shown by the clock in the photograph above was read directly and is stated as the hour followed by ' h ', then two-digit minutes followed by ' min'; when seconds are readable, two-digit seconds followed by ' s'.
1 h 26 min
